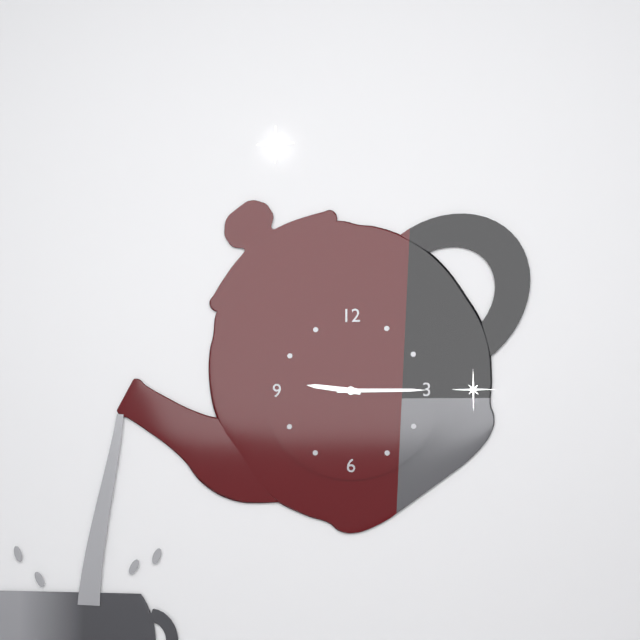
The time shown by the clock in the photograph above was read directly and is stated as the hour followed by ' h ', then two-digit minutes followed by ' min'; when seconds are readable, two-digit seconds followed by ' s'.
9 h 15 min
